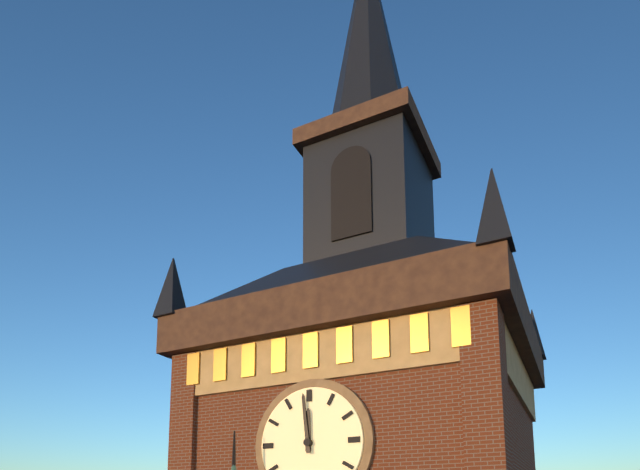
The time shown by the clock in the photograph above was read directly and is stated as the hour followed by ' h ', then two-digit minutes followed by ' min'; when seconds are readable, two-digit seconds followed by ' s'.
11 h 59 min
